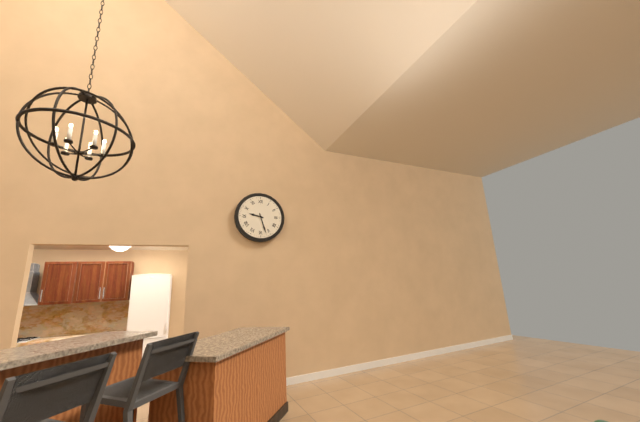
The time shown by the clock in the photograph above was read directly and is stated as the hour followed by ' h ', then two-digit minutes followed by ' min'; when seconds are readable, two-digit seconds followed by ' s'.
9 h 27 min
